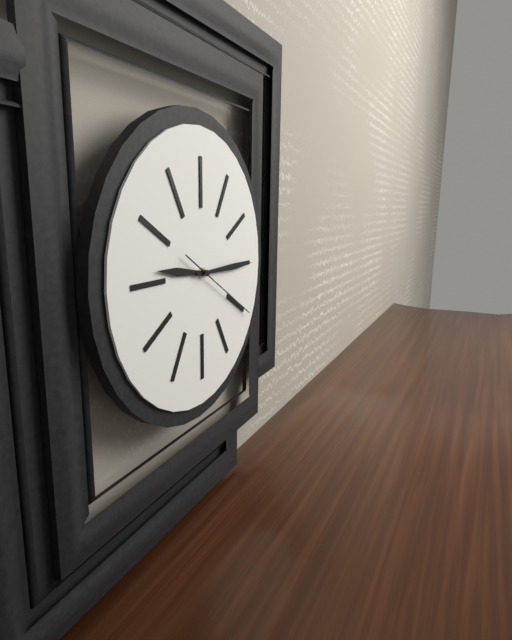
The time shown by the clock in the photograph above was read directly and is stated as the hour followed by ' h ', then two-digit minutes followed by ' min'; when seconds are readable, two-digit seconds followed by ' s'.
9 h 15 min 20 s
